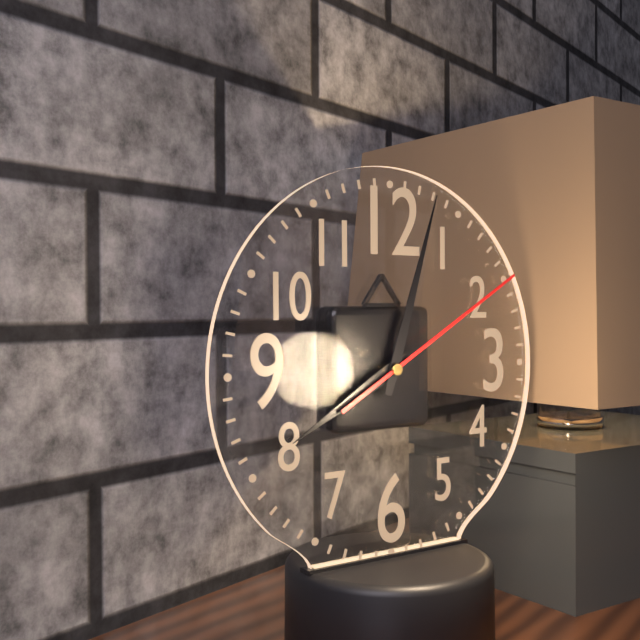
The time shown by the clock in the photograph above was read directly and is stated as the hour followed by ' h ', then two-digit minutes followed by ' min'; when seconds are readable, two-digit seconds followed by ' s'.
8 h 03 min 10 s
